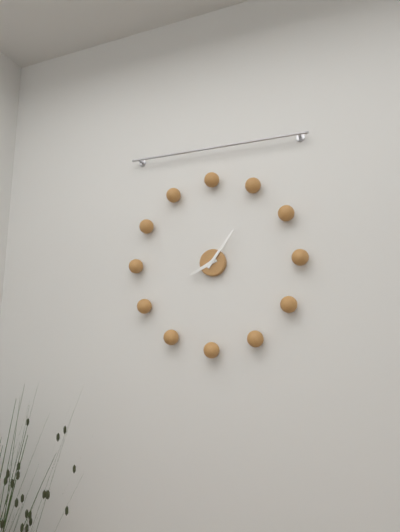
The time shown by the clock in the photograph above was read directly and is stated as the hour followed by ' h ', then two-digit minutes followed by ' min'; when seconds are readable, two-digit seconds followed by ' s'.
8 h 06 min
